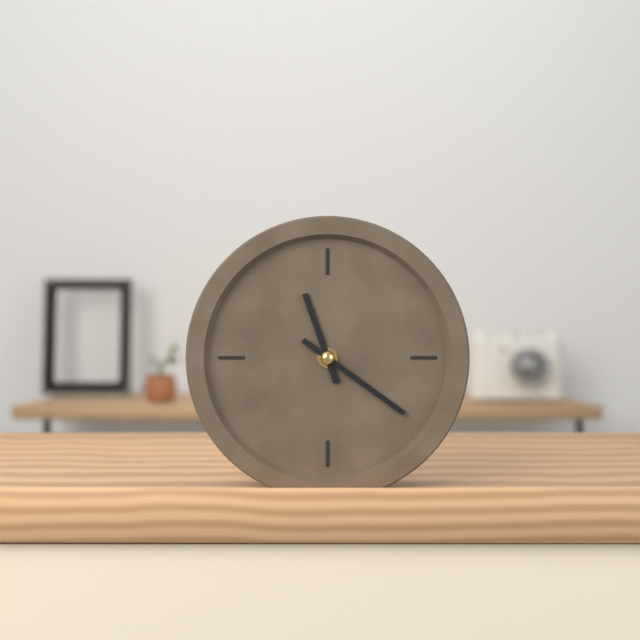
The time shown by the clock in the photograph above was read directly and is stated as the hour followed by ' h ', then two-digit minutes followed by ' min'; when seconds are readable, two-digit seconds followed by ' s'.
11 h 21 min
